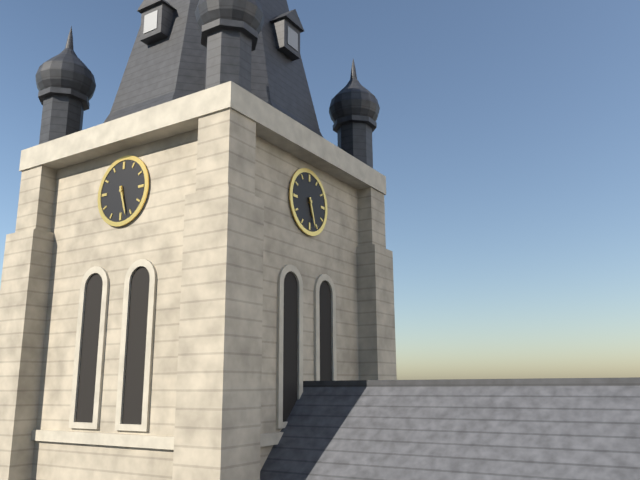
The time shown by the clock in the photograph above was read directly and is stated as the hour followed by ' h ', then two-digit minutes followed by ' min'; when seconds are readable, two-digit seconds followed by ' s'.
5 h 27 min
